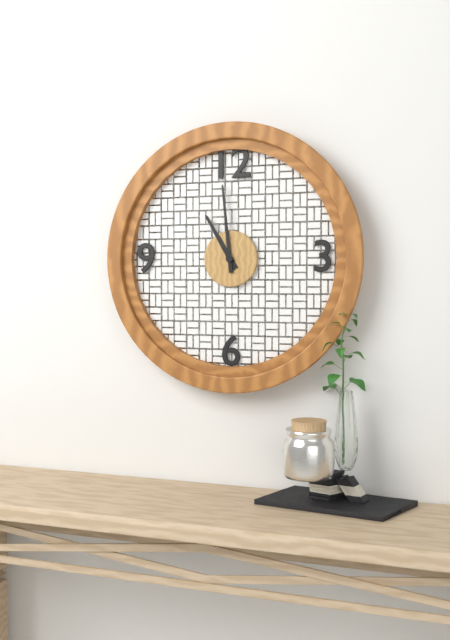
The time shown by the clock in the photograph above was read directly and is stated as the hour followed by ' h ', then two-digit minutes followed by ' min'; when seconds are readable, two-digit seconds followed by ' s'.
10 h 59 min
